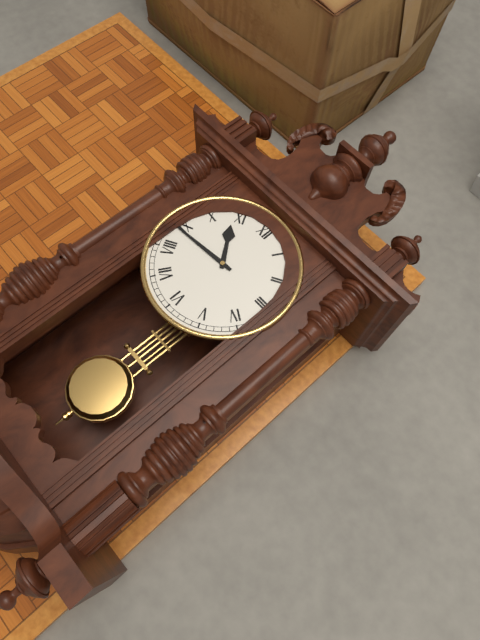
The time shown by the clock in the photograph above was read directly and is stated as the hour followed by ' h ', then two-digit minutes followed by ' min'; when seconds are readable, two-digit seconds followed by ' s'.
10 h 44 min
